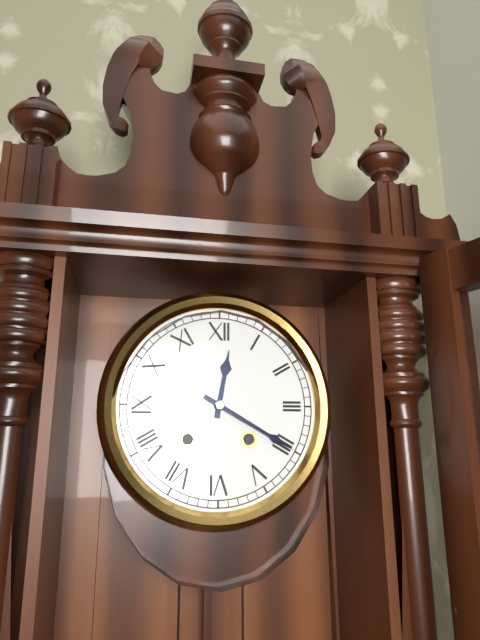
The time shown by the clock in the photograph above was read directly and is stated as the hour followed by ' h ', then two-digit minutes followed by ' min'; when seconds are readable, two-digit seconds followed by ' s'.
12 h 20 min
